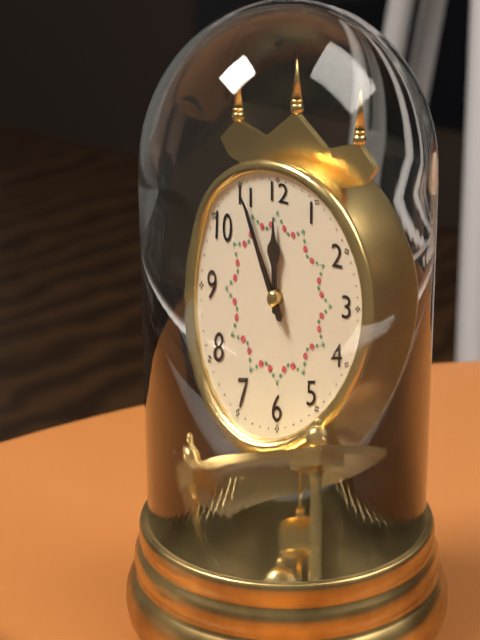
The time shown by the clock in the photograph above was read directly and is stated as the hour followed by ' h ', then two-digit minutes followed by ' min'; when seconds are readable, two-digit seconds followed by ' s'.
11 h 55 min
